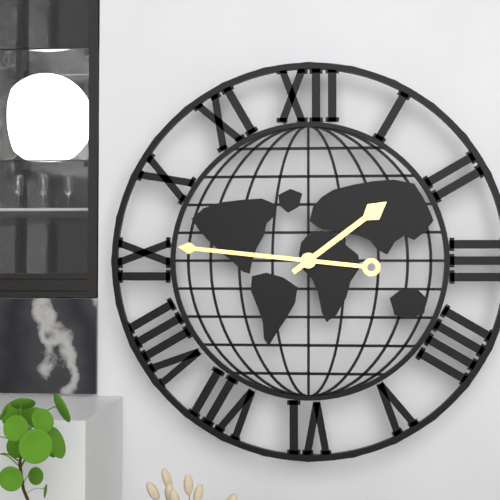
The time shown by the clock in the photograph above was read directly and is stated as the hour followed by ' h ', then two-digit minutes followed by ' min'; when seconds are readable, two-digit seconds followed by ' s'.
1 h 46 min
